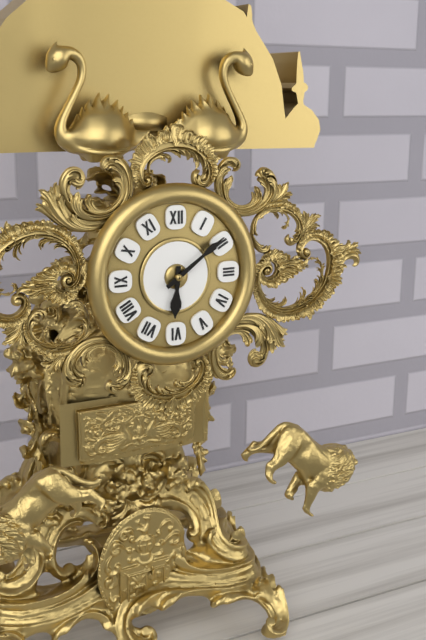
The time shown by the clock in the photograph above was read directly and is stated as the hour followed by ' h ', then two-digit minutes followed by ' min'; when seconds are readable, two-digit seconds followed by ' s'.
6 h 09 min
